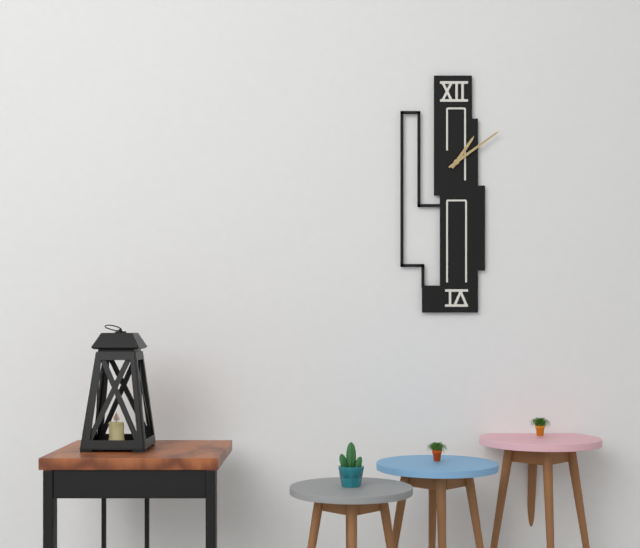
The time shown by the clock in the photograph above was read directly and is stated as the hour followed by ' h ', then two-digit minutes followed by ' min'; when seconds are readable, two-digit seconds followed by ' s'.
1 h 09 min
